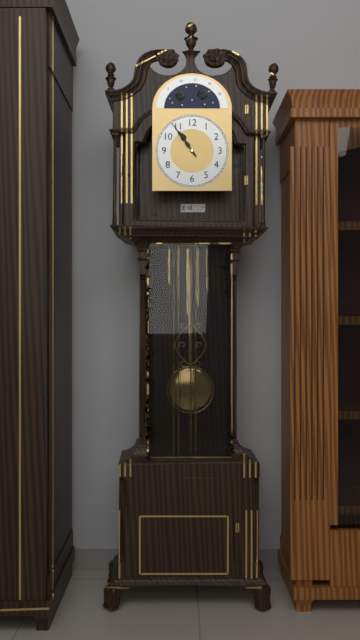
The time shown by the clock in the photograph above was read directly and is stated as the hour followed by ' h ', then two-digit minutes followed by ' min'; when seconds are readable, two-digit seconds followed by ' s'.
10 h 54 min
